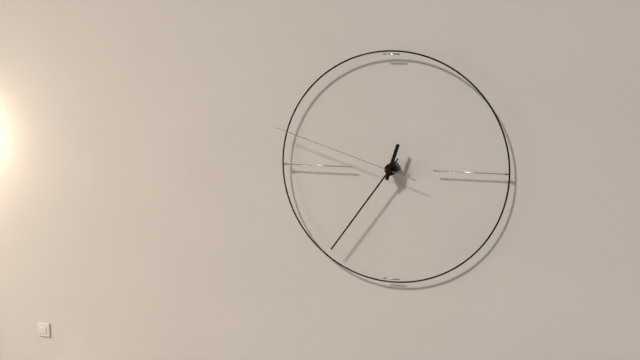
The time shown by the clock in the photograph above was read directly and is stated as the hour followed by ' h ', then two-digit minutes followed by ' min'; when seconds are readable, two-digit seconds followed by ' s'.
12 h 36 min 48 s
